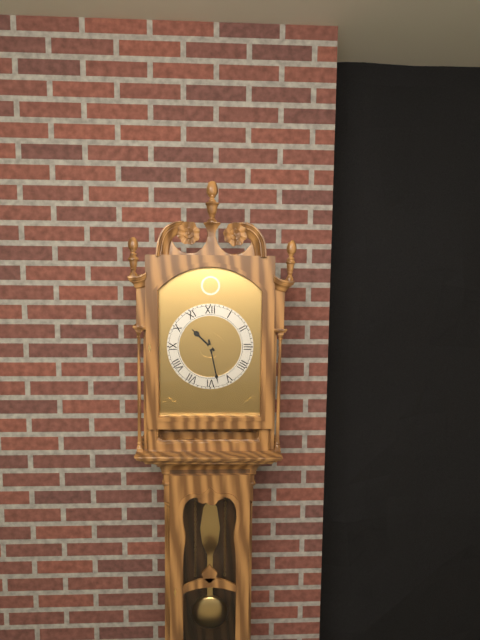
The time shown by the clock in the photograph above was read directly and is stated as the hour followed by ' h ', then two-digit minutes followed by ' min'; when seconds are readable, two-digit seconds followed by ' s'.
10 h 28 min
